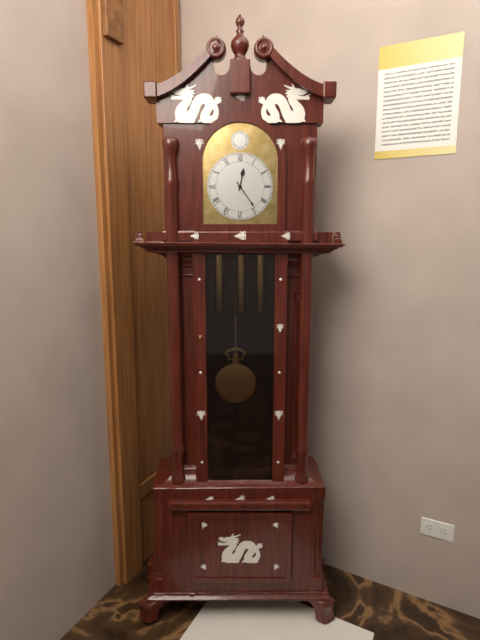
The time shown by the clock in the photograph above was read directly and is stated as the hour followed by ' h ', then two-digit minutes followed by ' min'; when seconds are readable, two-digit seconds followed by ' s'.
12 h 24 min
